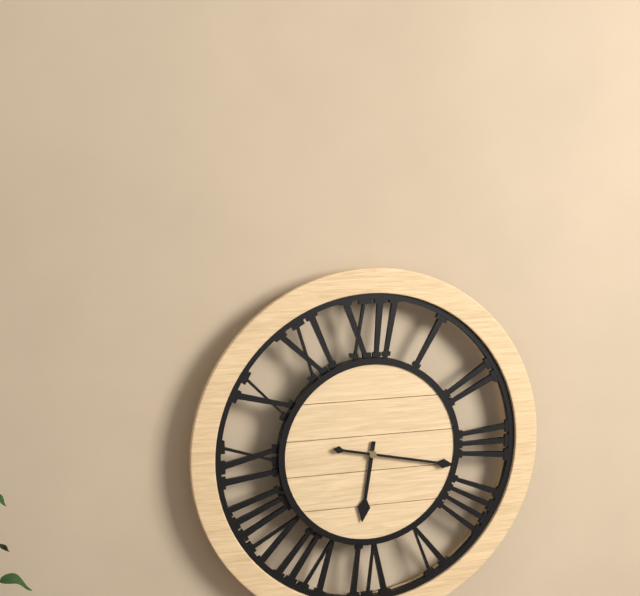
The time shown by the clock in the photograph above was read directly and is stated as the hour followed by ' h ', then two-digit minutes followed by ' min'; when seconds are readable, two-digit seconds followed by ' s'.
6 h 17 min
